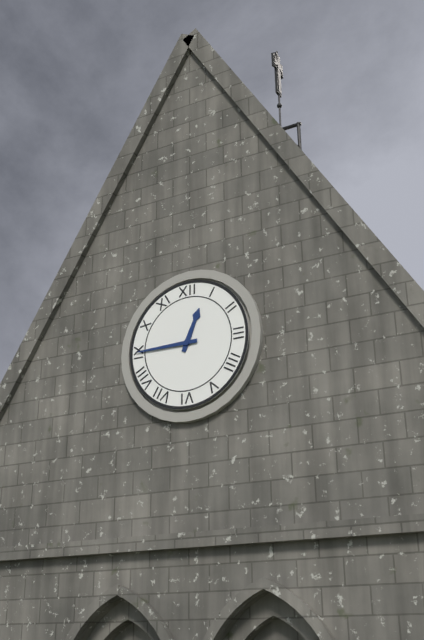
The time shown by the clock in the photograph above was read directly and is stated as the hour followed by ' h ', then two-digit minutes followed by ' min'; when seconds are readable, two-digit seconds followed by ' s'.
12 h 45 min
